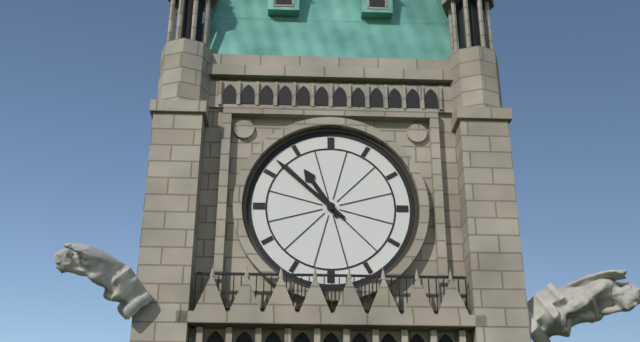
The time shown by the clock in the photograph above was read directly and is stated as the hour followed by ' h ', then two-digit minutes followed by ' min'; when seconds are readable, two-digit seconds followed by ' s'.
10 h 52 min
